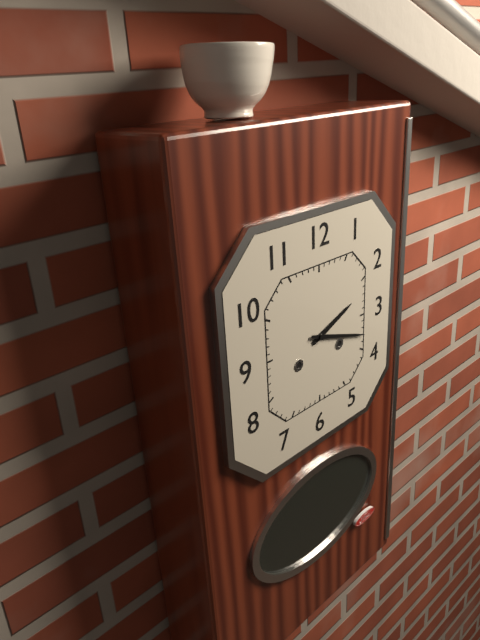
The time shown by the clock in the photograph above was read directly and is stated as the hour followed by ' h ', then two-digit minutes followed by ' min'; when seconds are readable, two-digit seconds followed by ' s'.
2 h 18 min
